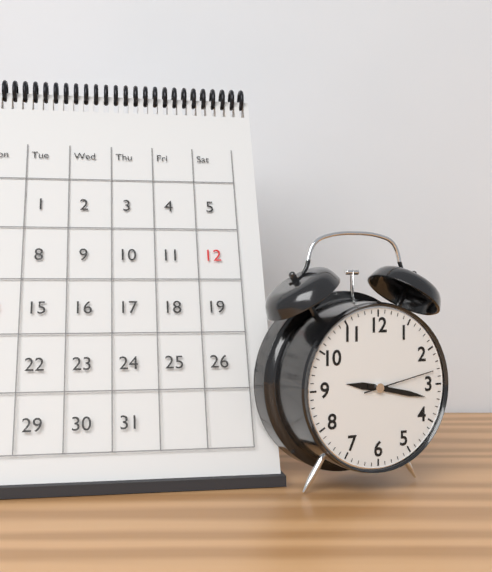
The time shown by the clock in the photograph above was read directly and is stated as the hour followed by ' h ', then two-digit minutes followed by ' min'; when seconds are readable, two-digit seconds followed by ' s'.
9 h 17 min 13 s
